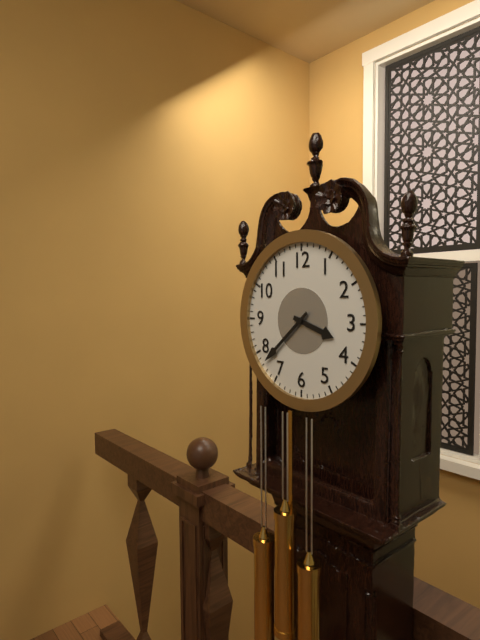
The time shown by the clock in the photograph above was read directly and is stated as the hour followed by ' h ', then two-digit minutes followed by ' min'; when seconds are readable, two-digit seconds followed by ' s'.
3 h 38 min
